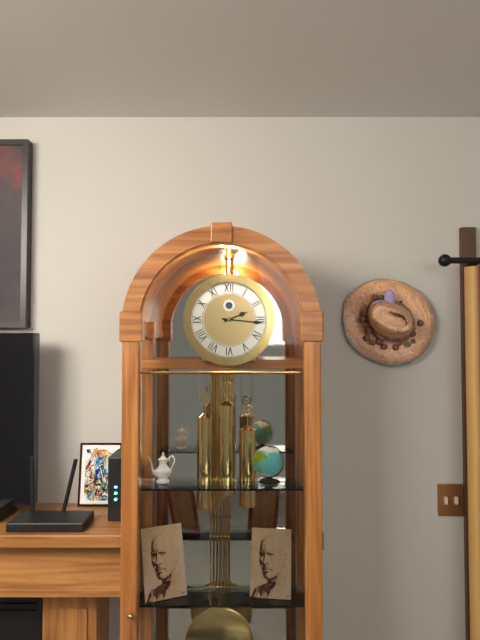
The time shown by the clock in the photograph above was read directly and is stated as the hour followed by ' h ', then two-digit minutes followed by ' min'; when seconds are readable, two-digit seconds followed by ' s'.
2 h 16 min
